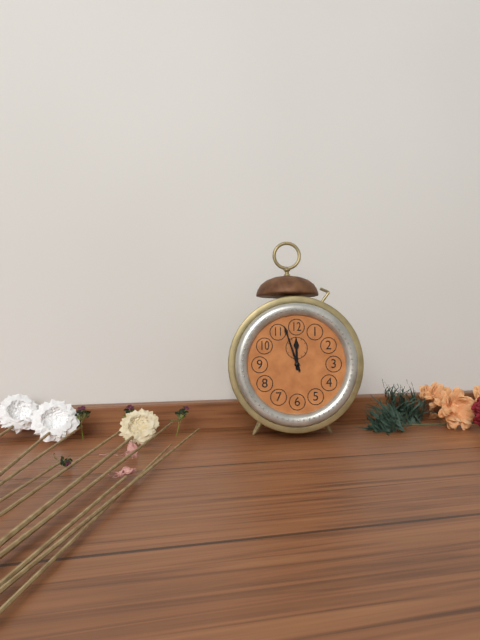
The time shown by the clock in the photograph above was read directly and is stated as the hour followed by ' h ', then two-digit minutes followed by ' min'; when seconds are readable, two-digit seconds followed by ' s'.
11 h 57 min
